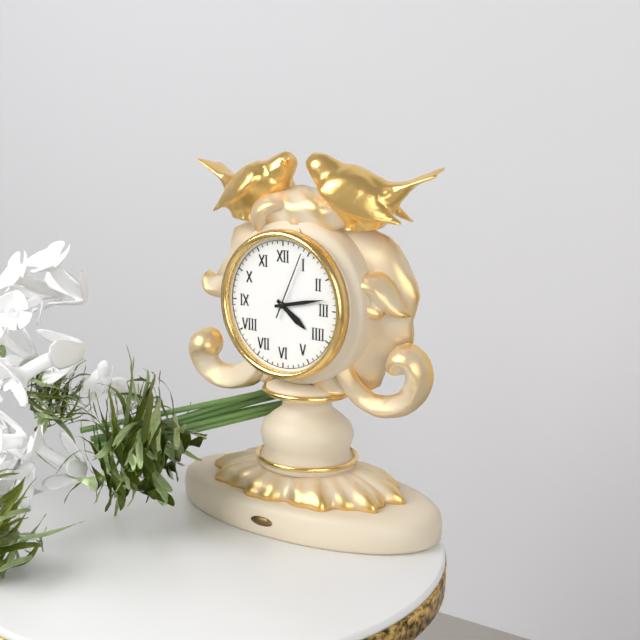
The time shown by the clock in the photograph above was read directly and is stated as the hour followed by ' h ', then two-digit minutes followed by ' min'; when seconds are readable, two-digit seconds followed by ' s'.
4 h 13 min 04 s
